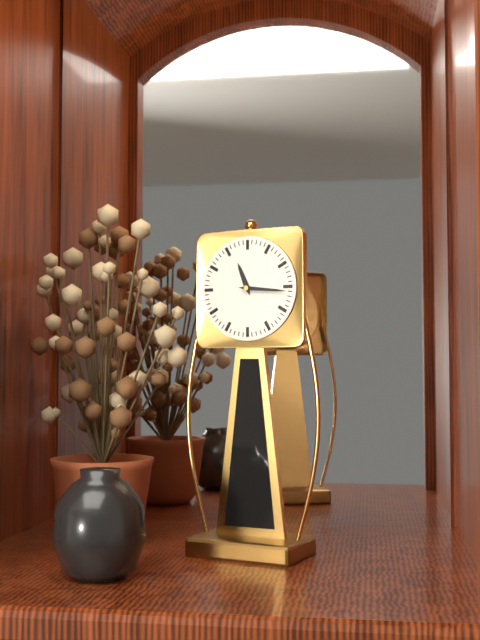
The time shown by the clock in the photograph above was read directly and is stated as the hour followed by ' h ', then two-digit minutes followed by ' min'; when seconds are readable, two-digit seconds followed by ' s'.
11 h 16 min
